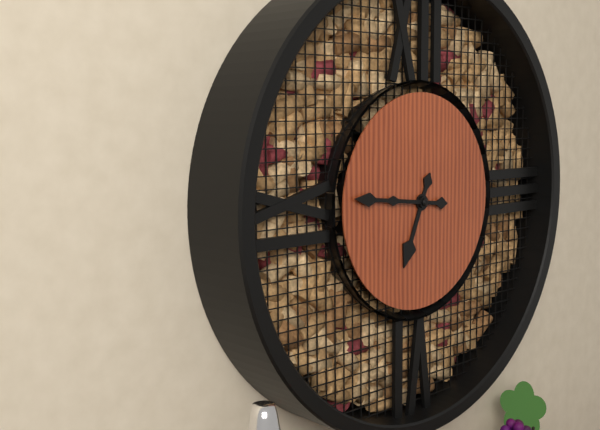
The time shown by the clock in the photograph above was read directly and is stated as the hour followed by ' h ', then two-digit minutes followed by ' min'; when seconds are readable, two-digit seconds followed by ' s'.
6 h 46 min
